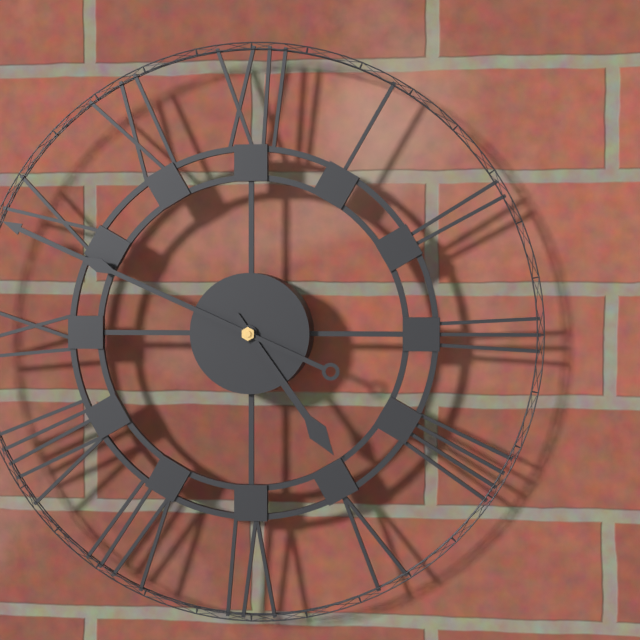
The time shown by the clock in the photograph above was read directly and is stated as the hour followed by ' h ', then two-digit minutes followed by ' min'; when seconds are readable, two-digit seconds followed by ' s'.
4 h 49 min
